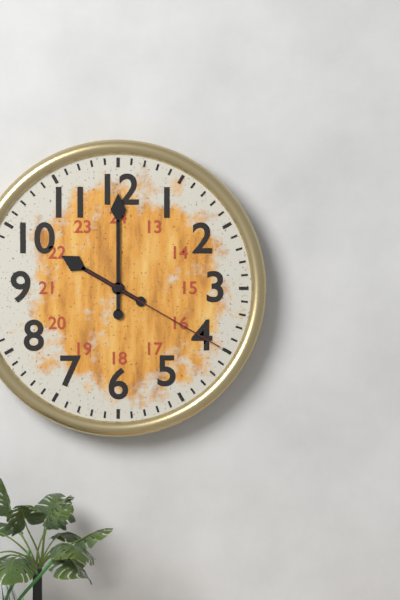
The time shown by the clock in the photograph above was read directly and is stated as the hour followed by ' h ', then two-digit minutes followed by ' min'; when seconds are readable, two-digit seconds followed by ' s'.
10 h 00 min 20 s
